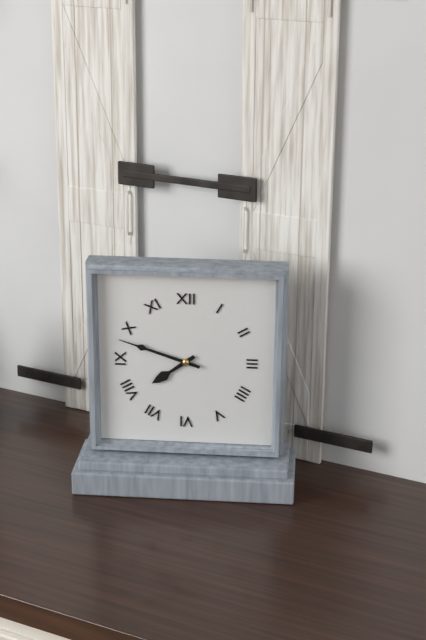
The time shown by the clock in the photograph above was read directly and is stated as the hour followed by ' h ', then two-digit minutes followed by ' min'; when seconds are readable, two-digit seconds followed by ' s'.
7 h 48 min
